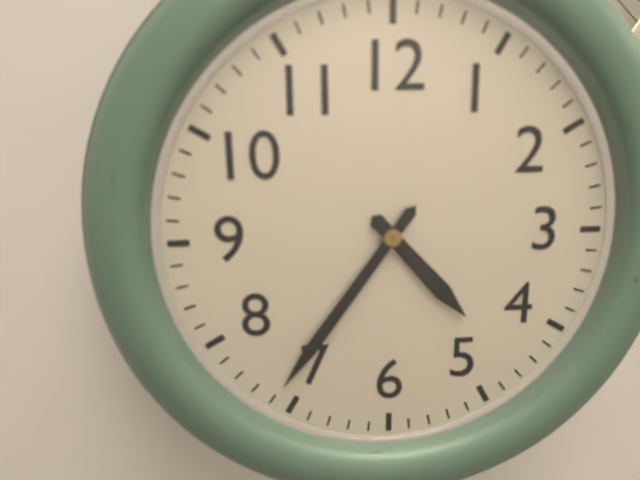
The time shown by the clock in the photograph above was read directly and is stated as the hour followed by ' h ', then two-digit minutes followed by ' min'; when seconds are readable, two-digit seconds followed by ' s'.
4 h 36 min
